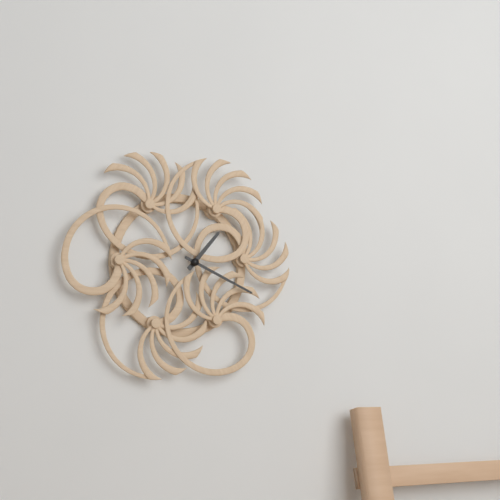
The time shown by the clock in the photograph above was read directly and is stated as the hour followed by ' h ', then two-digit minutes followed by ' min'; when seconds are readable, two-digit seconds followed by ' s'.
1 h 19 min
